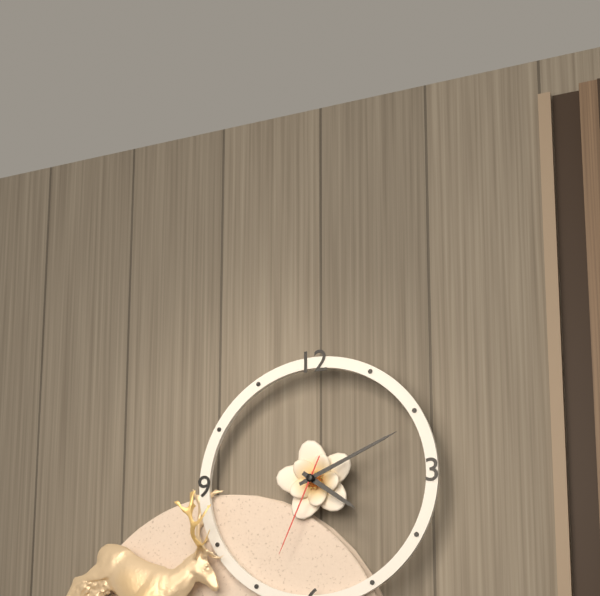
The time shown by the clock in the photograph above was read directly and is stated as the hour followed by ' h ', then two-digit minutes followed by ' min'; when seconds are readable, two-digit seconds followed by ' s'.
4 h 11 min 34 s
